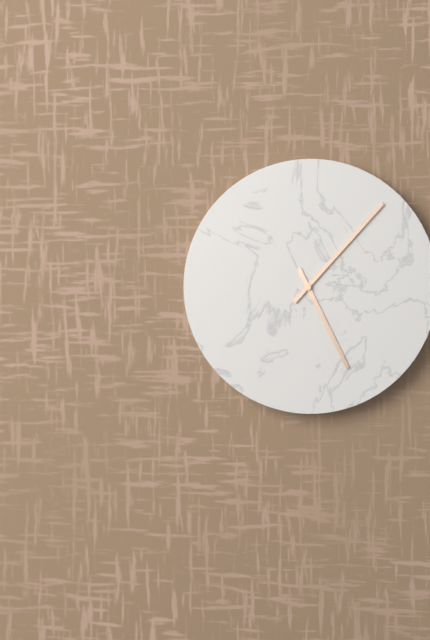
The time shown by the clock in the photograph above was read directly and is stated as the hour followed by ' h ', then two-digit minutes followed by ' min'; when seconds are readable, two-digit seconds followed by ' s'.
5 h 07 min
